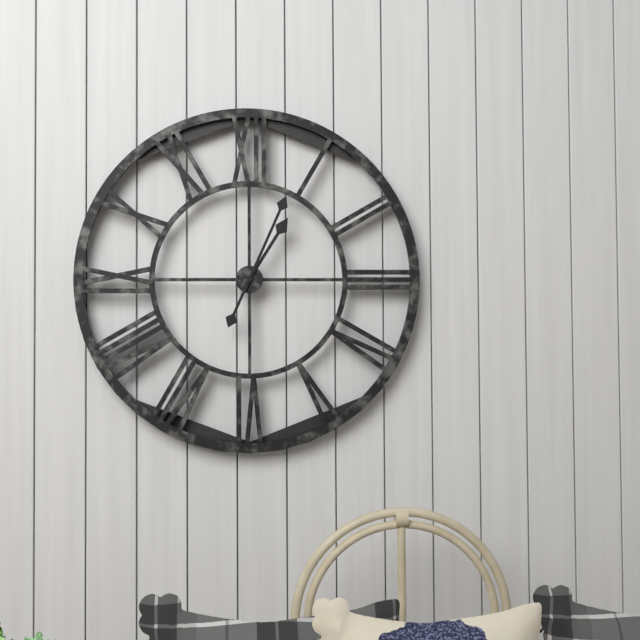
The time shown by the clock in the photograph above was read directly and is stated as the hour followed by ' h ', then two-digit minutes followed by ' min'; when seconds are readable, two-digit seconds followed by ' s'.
1 h 04 min
